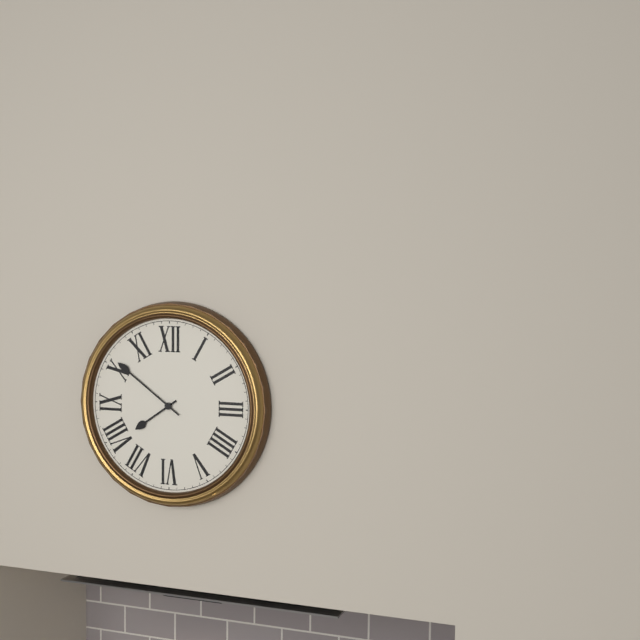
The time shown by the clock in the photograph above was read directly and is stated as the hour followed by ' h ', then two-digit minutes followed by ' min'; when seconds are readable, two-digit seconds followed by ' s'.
7 h 51 min
